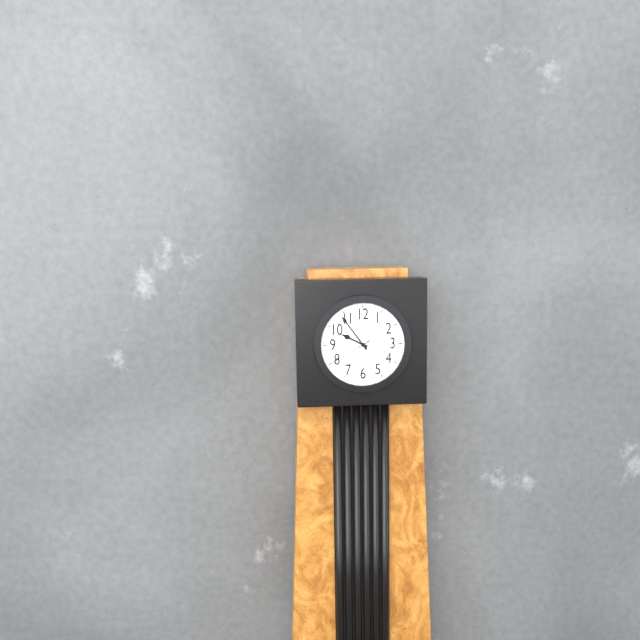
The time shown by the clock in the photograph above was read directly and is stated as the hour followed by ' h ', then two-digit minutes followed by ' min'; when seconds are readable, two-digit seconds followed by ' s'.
9 h 54 min
